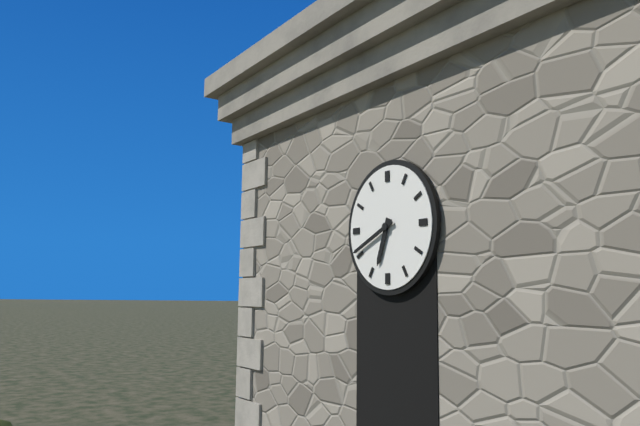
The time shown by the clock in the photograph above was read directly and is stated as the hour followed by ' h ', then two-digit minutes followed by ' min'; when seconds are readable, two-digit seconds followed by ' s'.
6 h 41 min
